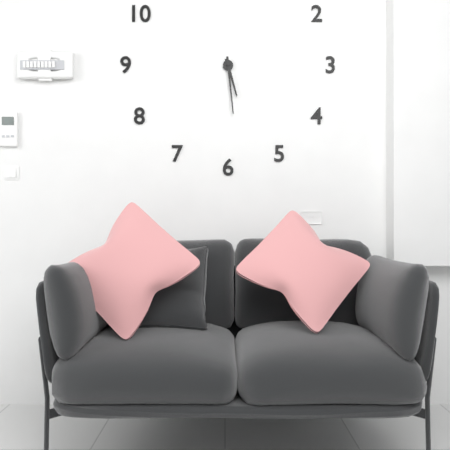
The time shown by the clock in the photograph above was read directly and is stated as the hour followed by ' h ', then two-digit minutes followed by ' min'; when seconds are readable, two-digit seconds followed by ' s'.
5 h 29 min
